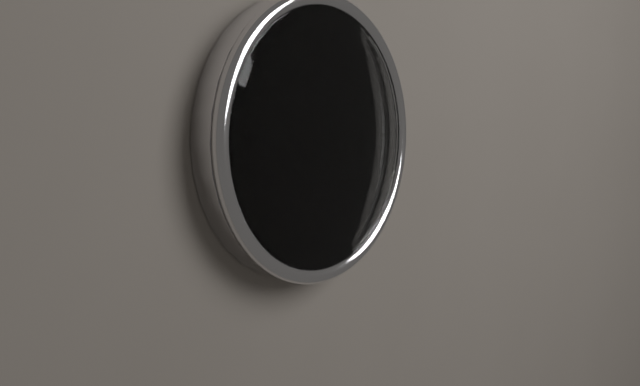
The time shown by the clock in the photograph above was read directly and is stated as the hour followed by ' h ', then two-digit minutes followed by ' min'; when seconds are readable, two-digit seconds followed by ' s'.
6 h 19 min
